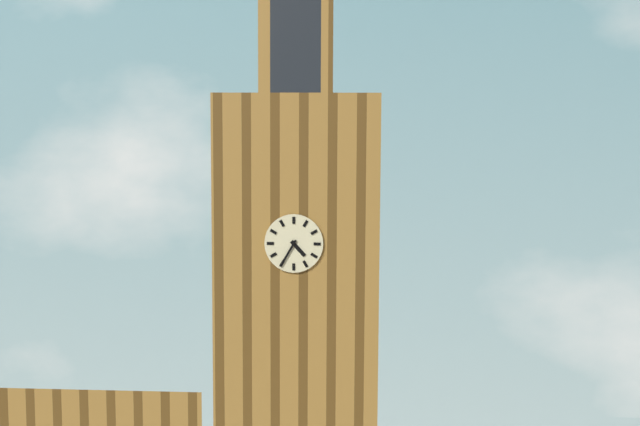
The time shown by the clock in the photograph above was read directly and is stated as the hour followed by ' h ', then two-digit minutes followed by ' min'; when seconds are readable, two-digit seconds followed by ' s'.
4 h 35 min
